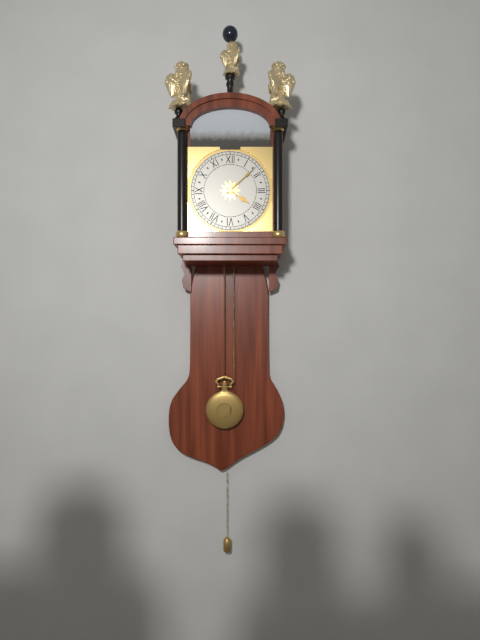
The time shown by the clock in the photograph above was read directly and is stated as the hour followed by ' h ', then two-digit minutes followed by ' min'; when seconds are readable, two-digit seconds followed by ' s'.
4 h 08 min
